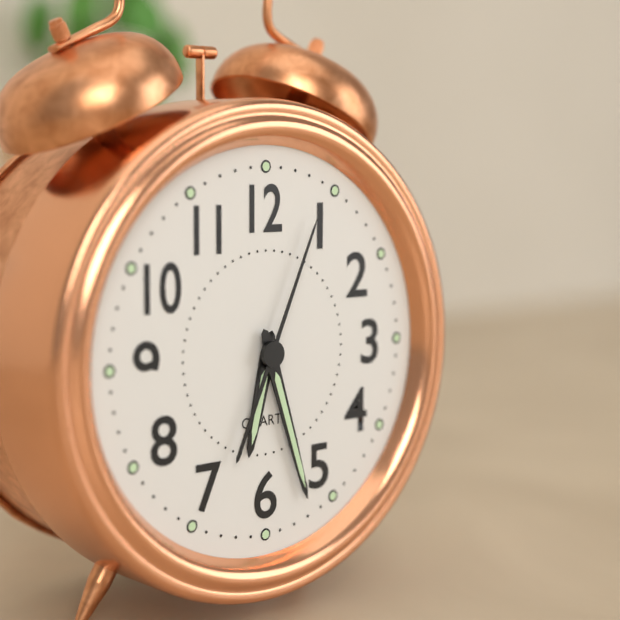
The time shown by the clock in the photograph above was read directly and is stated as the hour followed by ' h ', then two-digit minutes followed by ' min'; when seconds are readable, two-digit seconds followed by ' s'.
6 h 27 min 04 s
